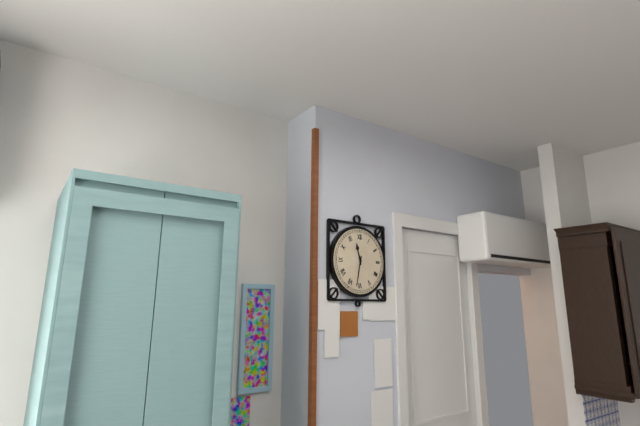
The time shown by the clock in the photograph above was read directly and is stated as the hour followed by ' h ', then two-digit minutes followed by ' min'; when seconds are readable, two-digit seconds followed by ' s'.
11 h 32 min
